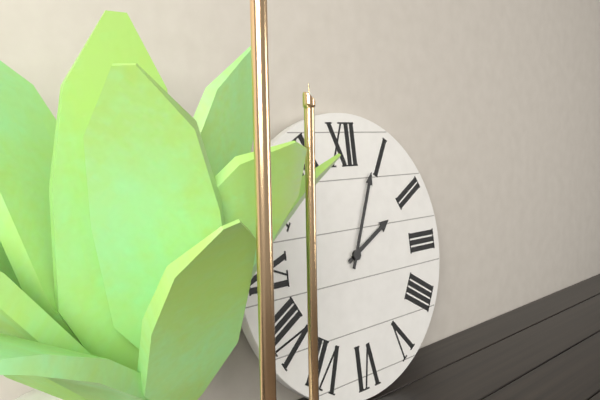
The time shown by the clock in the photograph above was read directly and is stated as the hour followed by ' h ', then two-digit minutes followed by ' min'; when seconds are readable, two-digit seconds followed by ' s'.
2 h 04 min
